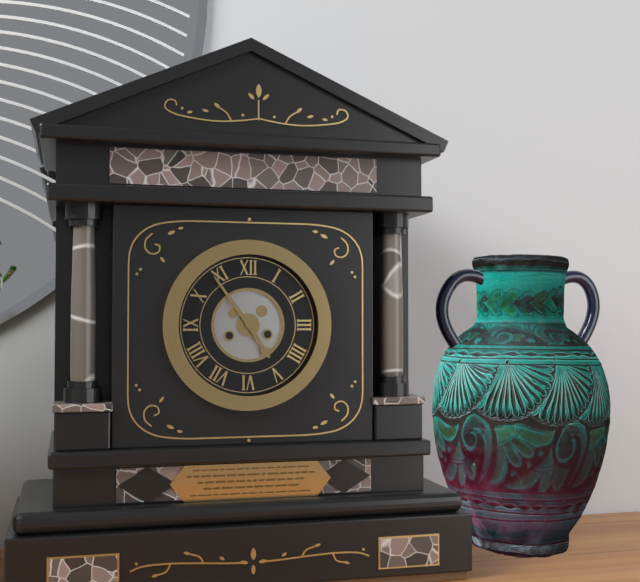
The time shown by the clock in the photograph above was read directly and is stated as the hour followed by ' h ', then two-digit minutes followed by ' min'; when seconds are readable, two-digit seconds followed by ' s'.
4 h 54 min
